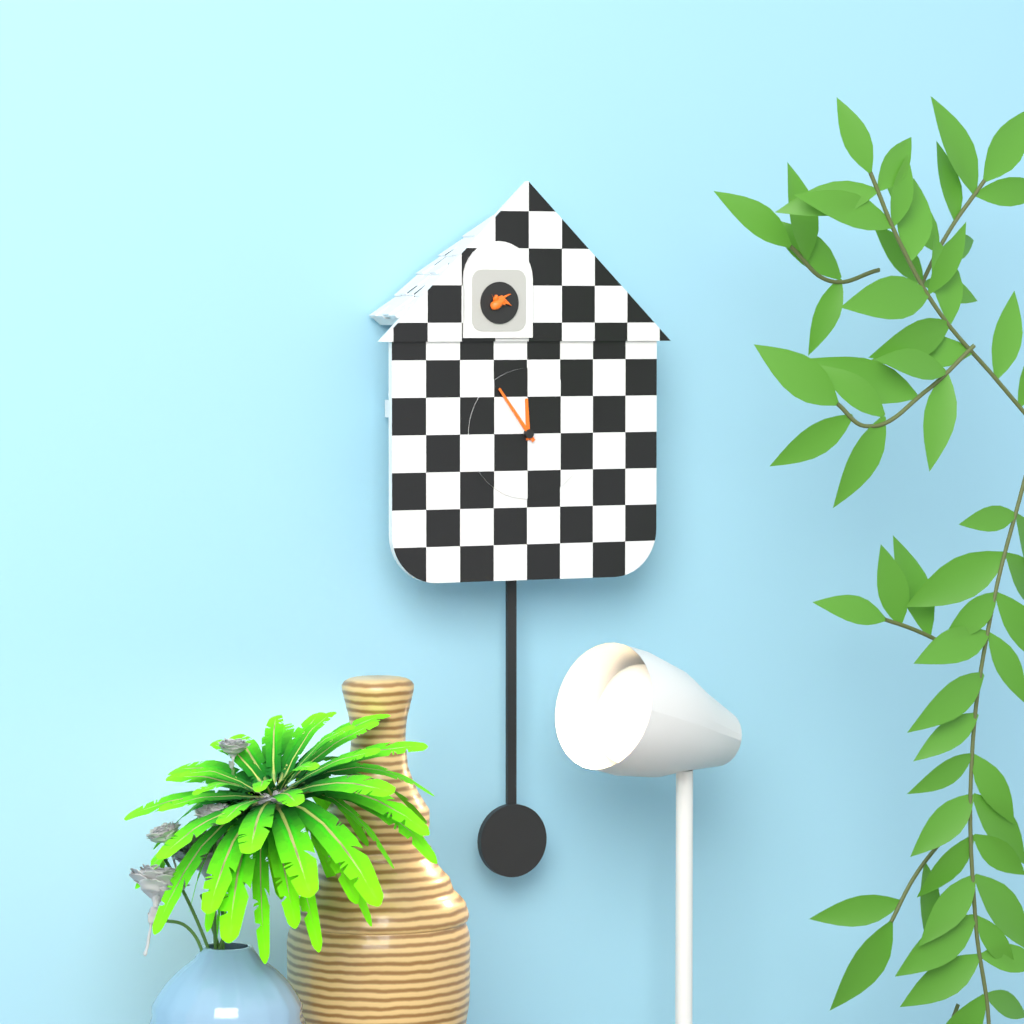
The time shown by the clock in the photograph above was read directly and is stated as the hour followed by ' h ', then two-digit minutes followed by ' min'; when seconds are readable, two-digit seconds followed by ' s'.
11 h 54 min
